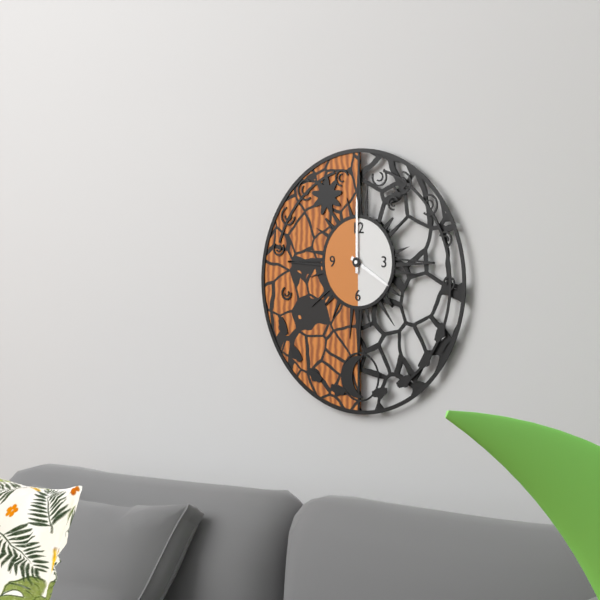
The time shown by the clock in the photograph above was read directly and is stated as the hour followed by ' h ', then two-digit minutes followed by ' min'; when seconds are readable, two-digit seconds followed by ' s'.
4 h 00 min
